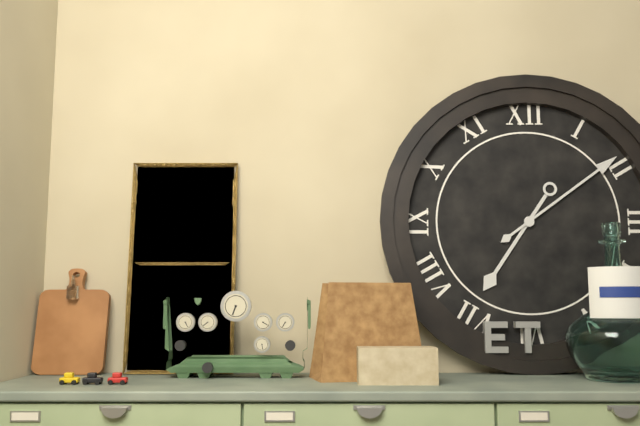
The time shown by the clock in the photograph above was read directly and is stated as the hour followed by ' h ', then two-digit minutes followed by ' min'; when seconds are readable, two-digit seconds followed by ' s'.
7 h 09 min
